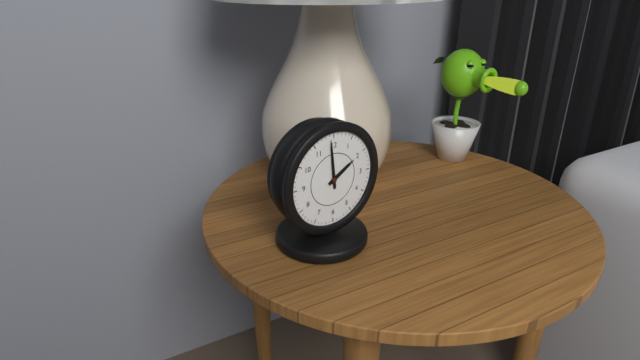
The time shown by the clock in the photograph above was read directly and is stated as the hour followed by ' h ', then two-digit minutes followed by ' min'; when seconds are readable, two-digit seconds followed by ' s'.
1 h 59 min
